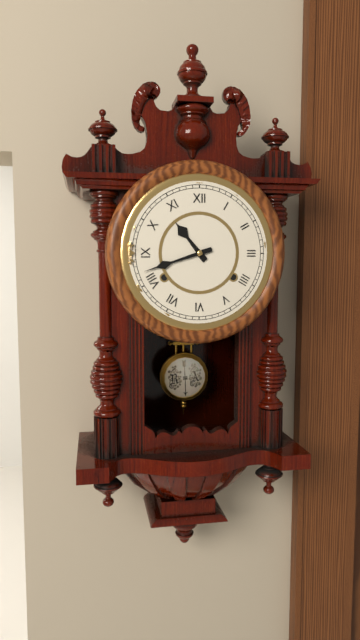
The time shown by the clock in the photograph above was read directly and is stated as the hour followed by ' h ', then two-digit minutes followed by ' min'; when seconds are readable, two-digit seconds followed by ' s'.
10 h 42 min
